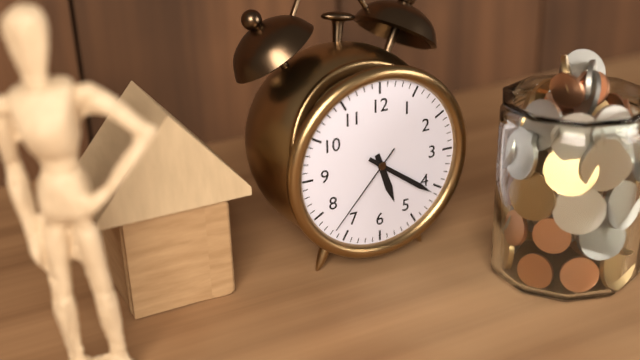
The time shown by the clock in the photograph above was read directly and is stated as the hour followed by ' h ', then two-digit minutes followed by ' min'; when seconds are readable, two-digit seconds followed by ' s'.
5 h 21 min 37 s
